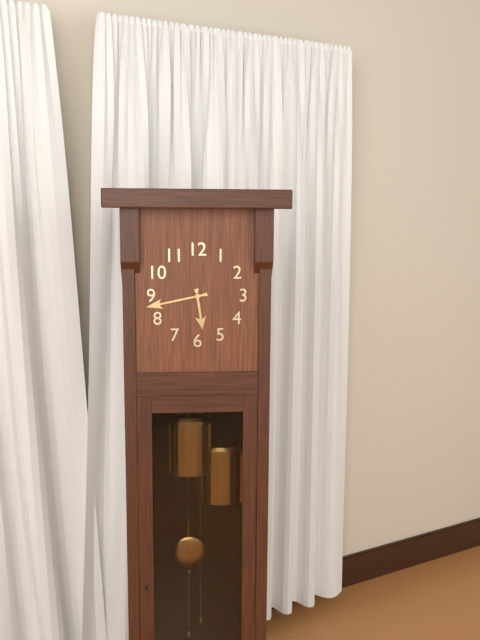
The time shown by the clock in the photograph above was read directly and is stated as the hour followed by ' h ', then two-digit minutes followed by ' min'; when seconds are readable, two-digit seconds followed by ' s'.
5 h 43 min
